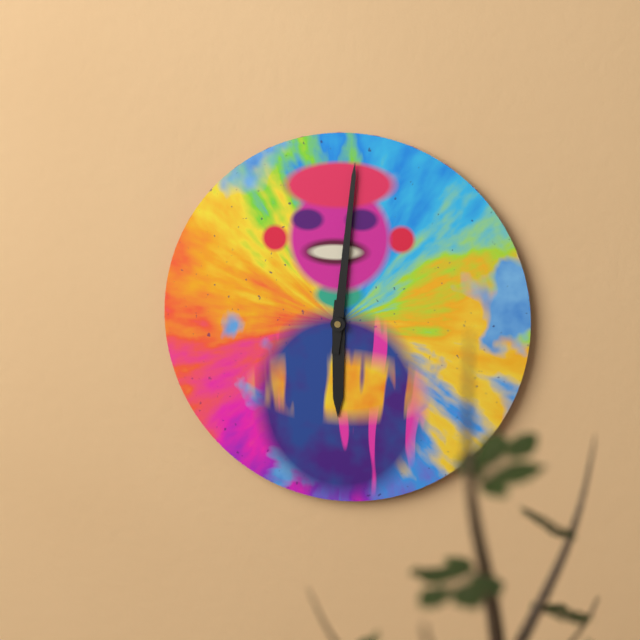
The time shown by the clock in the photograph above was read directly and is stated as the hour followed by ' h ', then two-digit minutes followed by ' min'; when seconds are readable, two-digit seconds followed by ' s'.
6 h 01 min
